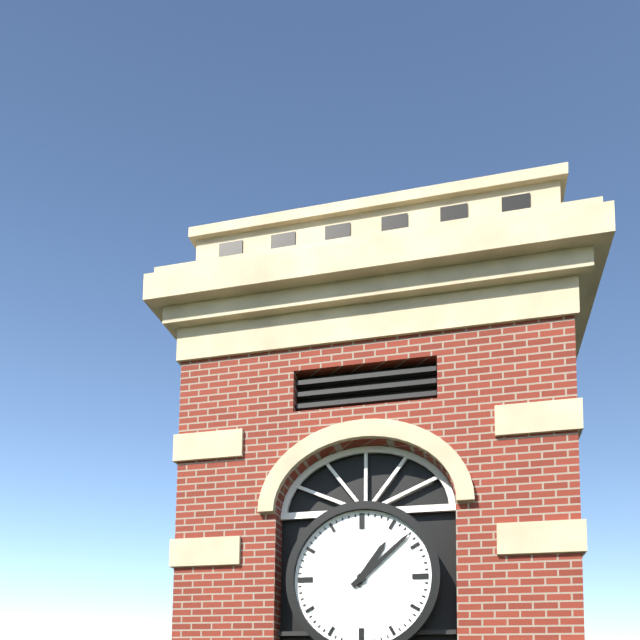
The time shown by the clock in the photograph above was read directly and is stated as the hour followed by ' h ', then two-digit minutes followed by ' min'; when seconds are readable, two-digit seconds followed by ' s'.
1 h 08 min
